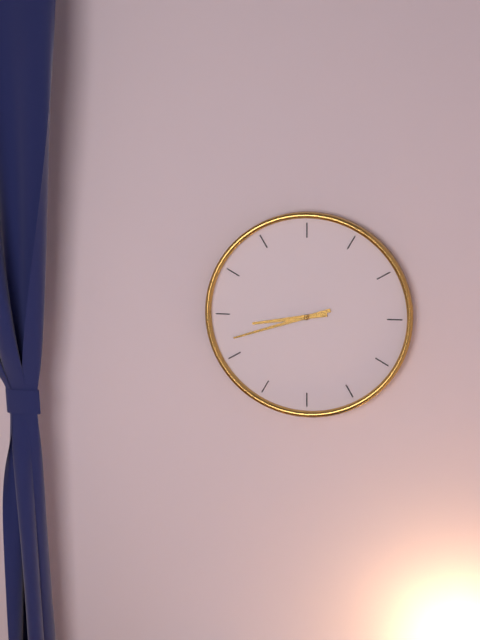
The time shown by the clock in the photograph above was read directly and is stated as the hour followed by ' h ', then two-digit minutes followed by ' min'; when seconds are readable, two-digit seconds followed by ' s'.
8 h 42 min
